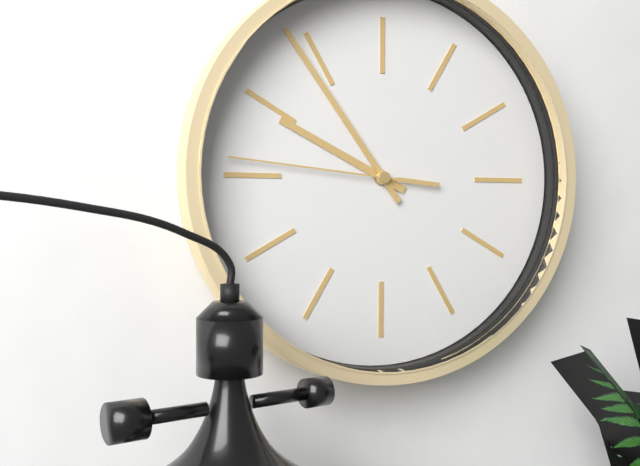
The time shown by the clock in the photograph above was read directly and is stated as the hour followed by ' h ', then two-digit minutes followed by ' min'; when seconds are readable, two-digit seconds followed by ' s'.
9 h 54 min 46 s
